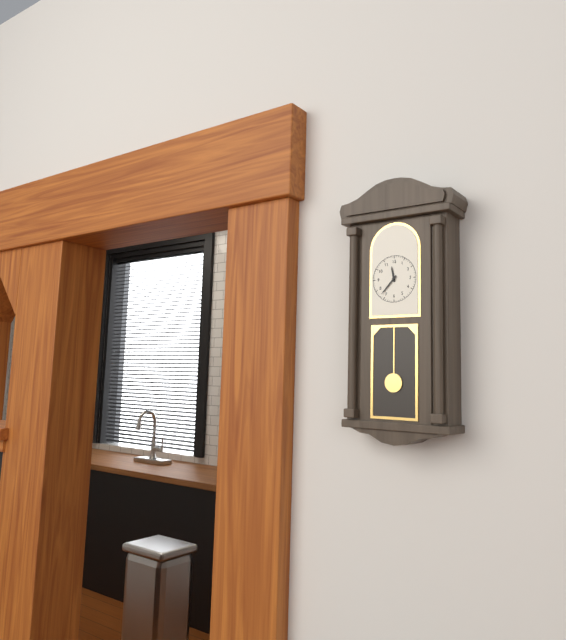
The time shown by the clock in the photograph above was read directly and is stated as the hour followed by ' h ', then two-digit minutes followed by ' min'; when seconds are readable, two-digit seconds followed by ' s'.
11 h 37 min
